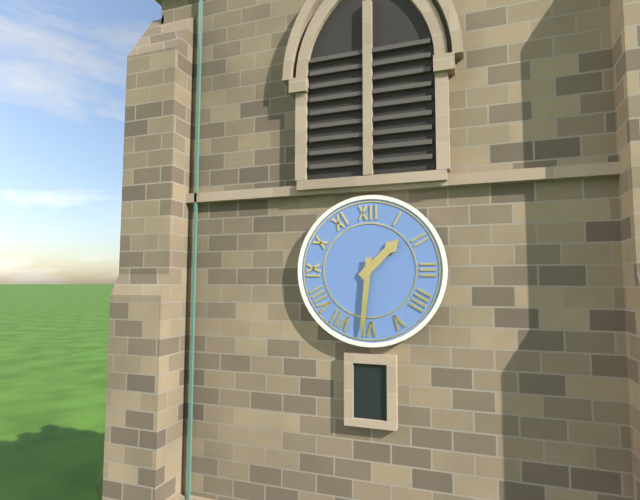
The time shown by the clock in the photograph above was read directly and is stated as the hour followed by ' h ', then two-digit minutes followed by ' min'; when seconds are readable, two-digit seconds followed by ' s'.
1 h 31 min
